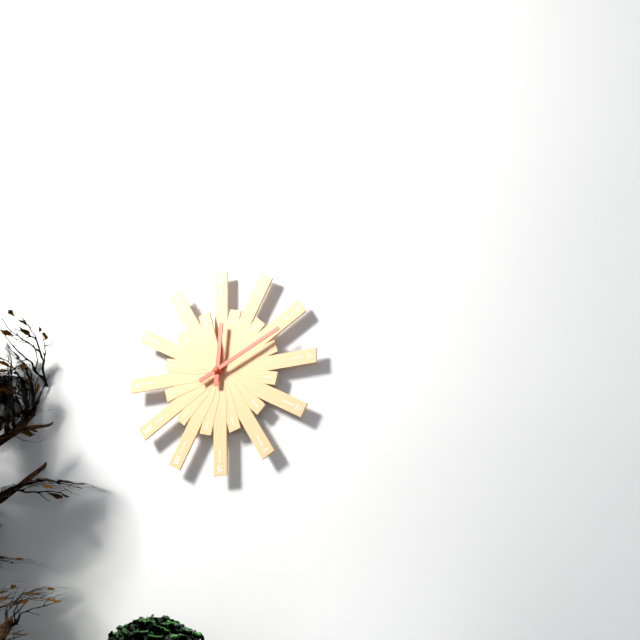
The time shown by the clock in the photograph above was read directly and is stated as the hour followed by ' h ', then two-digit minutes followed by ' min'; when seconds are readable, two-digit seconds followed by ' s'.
12 h 11 min
